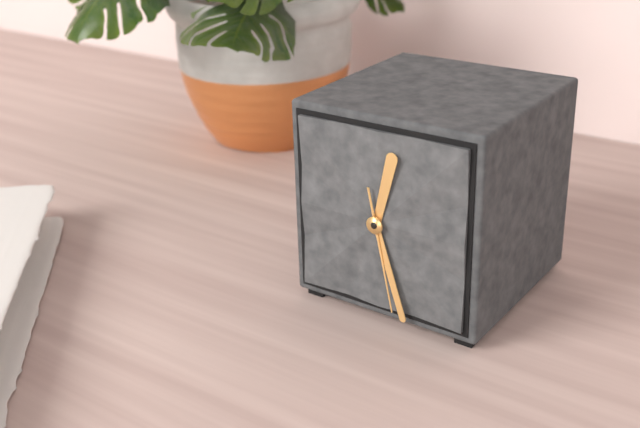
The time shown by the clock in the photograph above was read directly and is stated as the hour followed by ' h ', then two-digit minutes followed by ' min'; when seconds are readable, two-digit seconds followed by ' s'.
12 h 27 min 28 s
